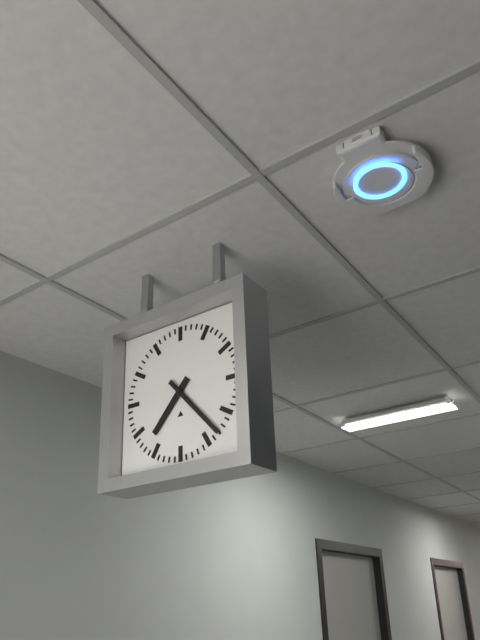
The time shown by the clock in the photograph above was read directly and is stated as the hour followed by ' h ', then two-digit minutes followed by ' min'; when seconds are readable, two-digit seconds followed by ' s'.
7 h 23 min
